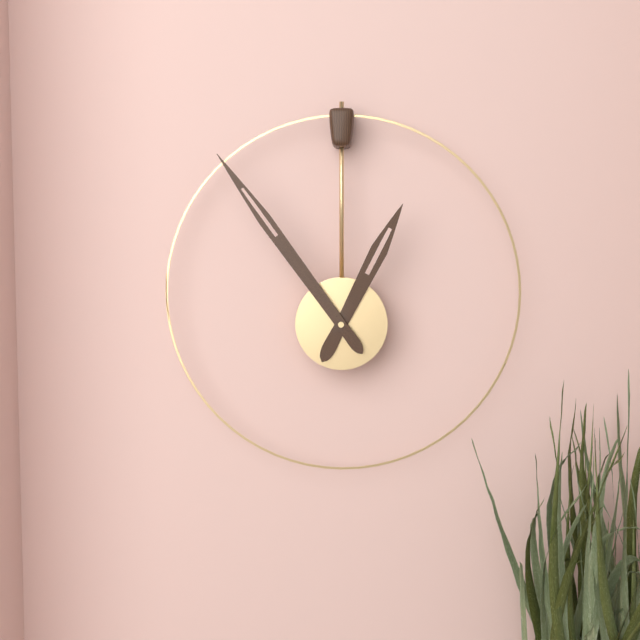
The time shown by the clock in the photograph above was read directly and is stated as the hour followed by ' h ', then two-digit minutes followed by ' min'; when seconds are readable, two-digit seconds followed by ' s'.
12 h 54 min
